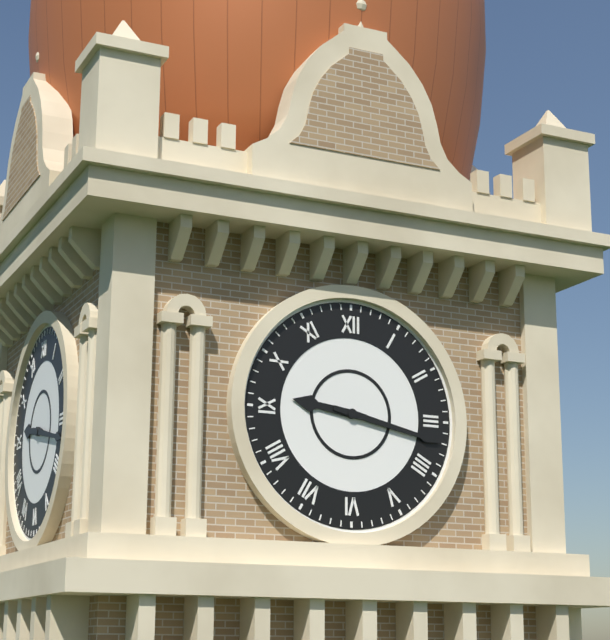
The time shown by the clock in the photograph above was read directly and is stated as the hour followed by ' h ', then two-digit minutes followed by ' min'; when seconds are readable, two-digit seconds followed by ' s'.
9 h 17 min
